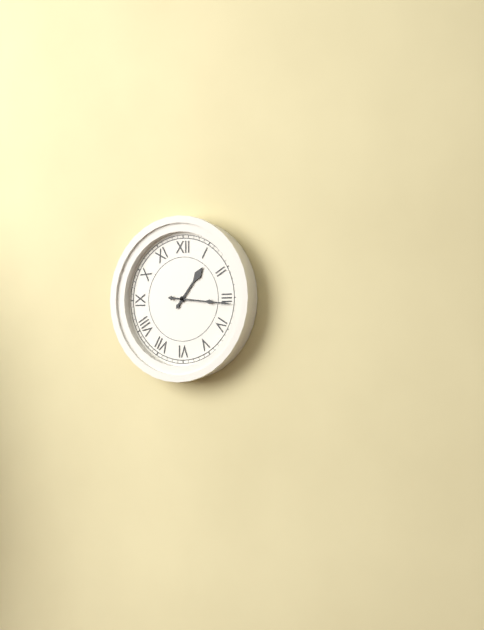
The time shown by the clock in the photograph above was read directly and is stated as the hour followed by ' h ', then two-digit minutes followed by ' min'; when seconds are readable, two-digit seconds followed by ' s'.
1 h 16 min
